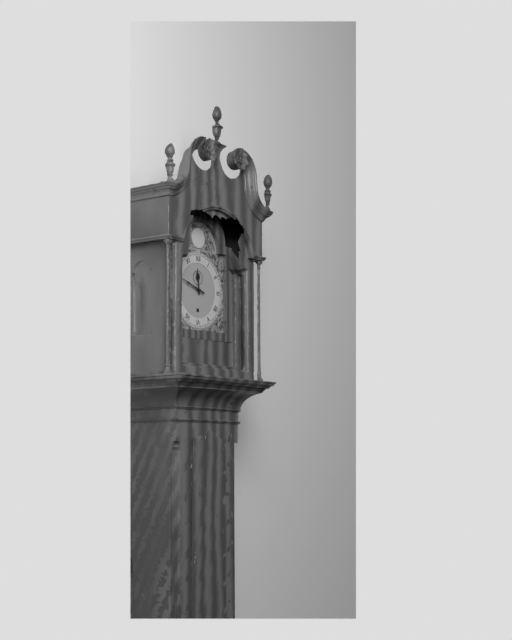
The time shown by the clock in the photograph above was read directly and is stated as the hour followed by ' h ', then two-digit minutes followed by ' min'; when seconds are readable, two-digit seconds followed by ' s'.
11 h 48 min
